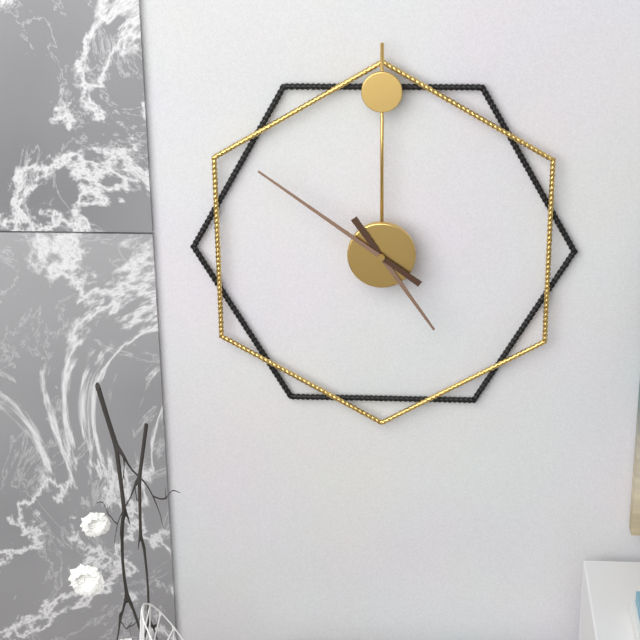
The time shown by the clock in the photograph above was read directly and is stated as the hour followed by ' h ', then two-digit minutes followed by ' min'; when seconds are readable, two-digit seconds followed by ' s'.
4 h 51 min
